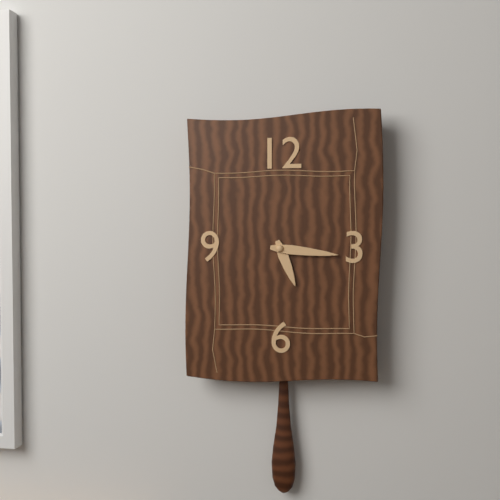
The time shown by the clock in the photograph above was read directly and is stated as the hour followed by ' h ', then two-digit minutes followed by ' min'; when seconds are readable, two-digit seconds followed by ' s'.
5 h 16 min
